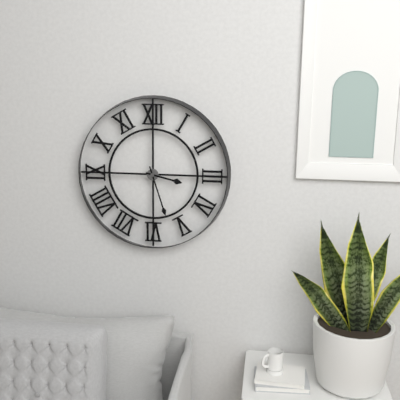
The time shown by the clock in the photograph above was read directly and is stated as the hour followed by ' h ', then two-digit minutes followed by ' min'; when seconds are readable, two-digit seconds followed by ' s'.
3 h 27 min
